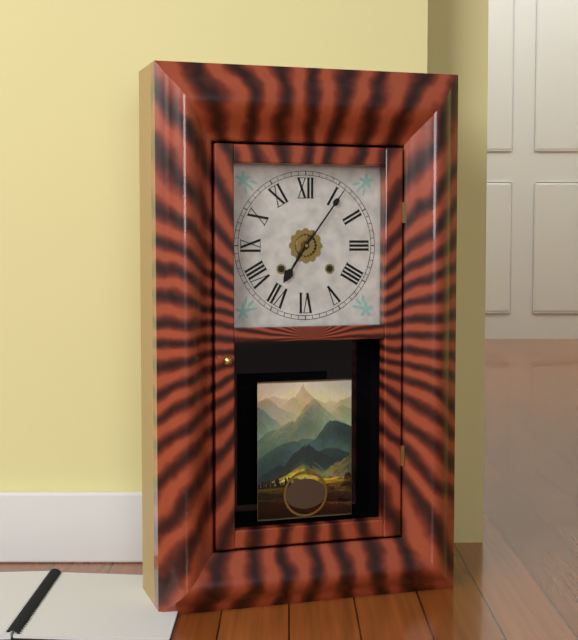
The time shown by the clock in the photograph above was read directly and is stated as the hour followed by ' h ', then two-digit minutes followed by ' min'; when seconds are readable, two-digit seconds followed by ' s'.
7 h 06 min
